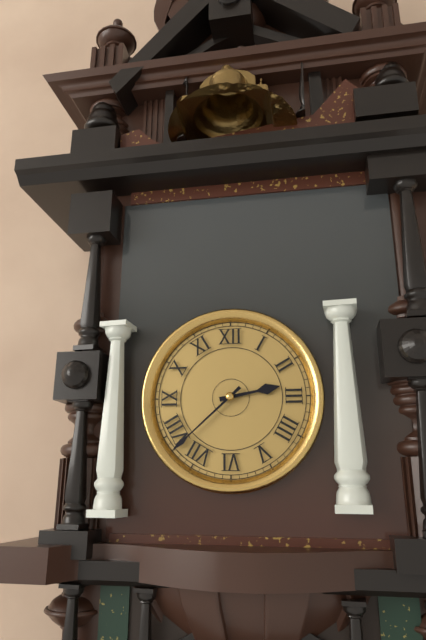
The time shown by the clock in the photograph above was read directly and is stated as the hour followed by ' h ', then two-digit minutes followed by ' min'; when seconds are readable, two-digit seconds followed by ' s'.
2 h 38 min
